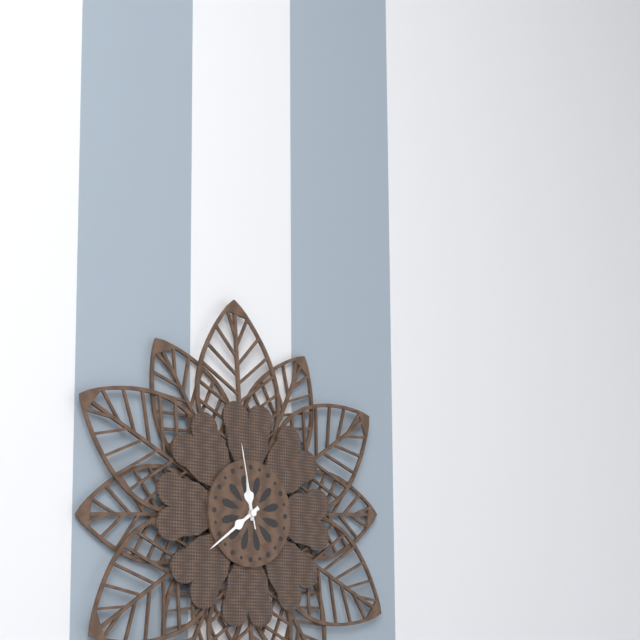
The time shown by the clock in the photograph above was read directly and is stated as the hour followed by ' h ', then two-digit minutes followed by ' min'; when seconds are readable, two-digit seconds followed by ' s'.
11 h 39 min 58 s
